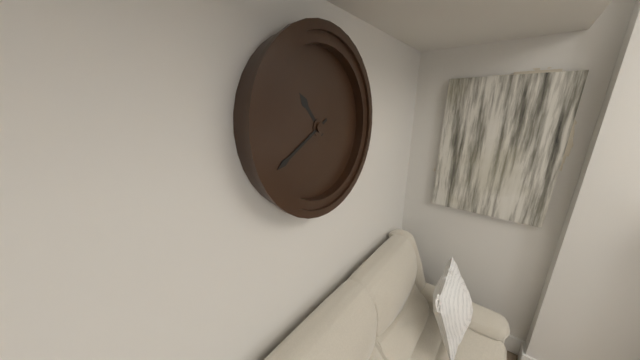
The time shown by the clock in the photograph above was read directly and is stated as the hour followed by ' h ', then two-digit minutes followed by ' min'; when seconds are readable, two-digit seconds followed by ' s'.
10 h 40 min
